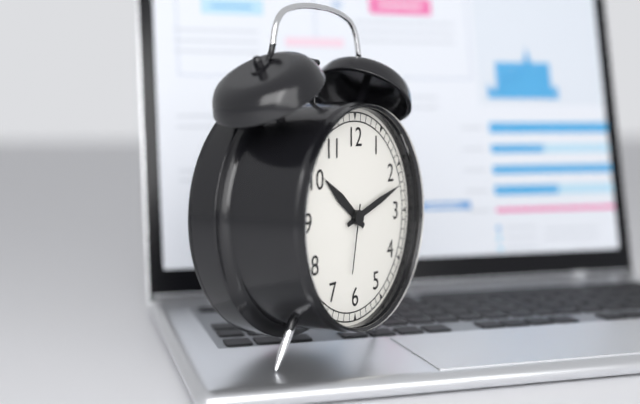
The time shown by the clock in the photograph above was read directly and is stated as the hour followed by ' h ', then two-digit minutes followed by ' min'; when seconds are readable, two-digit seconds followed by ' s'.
10 h 12 min 32 s
